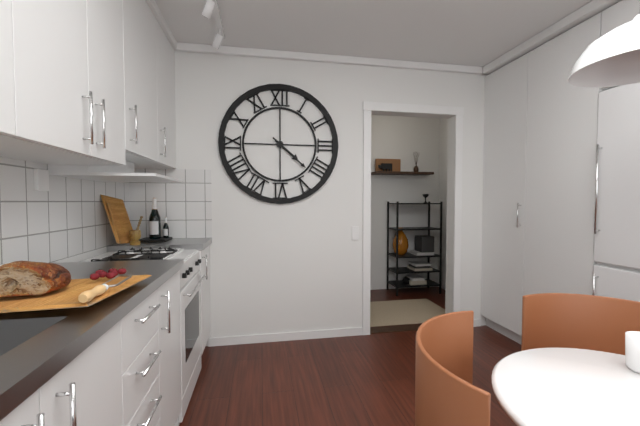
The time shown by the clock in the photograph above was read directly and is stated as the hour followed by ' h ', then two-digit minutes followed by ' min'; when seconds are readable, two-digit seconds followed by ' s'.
4 h 22 min
